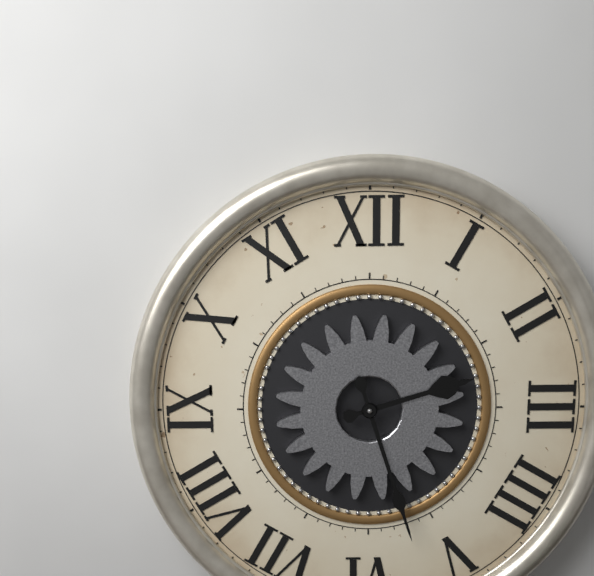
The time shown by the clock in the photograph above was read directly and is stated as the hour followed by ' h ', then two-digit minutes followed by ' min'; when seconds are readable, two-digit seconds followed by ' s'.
2 h 27 min
